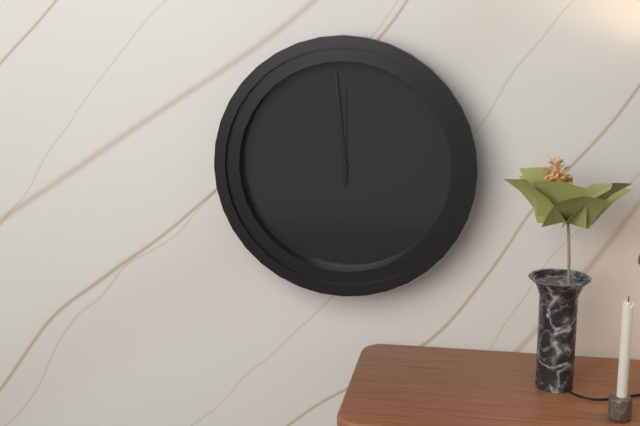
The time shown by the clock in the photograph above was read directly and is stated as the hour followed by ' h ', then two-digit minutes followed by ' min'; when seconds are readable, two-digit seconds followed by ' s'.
11 h 59 min
